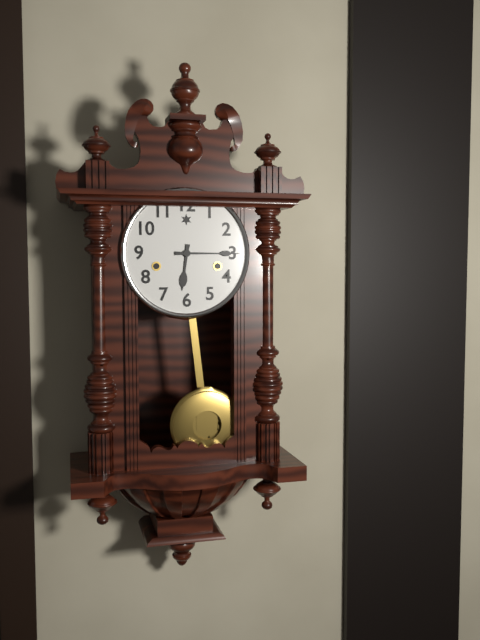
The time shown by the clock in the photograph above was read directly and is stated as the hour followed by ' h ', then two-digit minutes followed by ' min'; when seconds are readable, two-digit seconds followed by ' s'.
6 h 15 min
